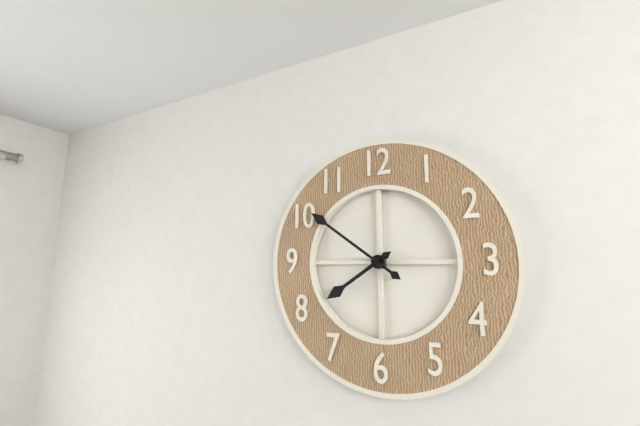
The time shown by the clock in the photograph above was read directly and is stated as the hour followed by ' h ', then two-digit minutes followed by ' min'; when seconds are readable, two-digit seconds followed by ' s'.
7 h 51 min
